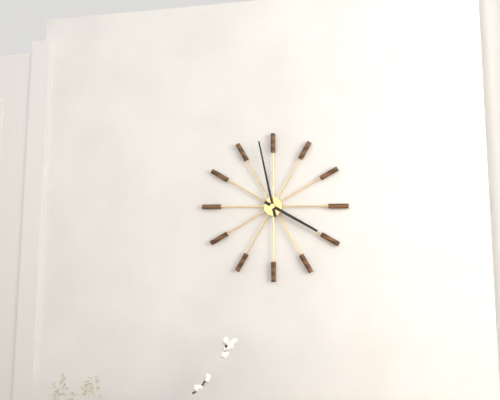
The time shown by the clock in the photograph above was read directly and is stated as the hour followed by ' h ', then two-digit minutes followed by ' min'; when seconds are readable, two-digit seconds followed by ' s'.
3 h 58 min
